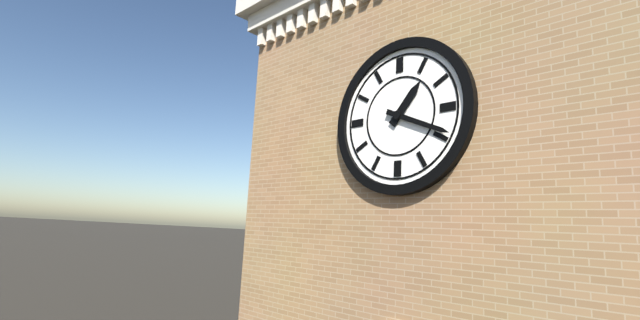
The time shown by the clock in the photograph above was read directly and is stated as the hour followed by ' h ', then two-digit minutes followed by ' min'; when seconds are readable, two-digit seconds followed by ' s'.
1 h 19 min
